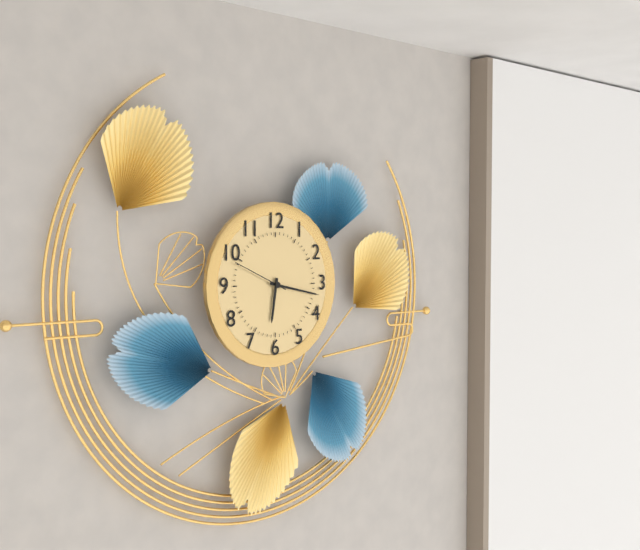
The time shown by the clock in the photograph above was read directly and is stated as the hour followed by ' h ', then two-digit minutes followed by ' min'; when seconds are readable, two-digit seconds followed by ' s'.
6 h 17 min 49 s
